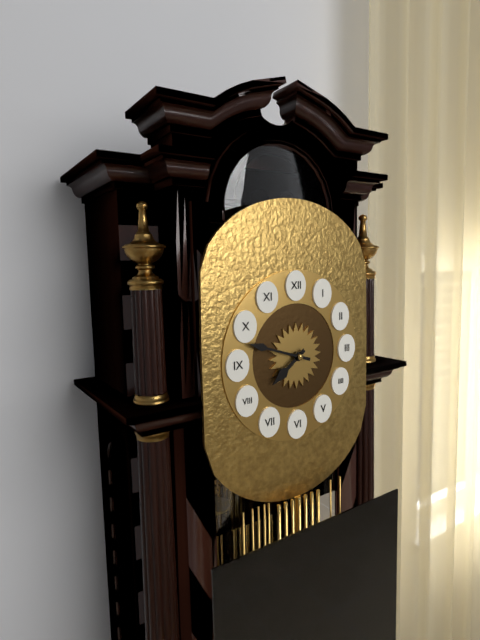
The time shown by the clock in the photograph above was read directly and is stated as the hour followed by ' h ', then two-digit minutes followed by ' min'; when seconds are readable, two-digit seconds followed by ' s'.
7 h 48 min
